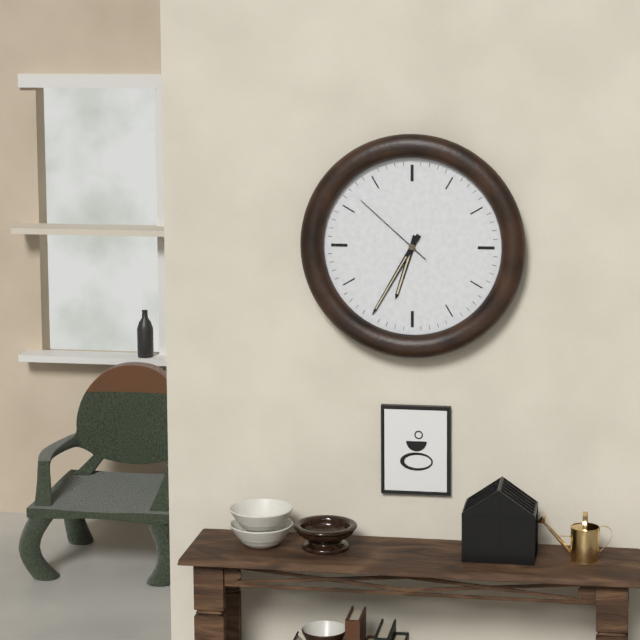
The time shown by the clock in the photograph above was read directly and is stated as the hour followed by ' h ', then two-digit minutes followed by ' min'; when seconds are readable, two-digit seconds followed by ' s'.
6 h 35 min 52 s
